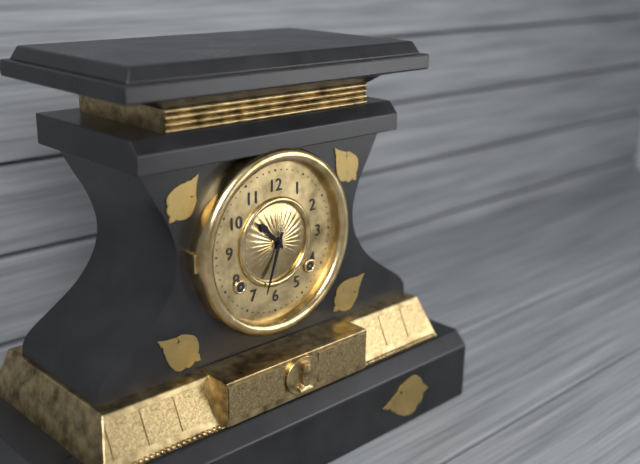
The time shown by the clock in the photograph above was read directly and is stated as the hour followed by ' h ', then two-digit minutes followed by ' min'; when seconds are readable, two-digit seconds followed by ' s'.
10 h 33 min
